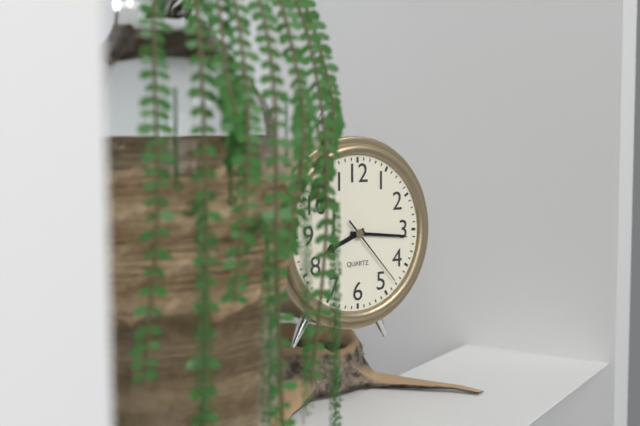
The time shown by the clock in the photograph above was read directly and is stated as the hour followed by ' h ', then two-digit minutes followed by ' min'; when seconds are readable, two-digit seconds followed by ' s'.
8 h 16 min 23 s
